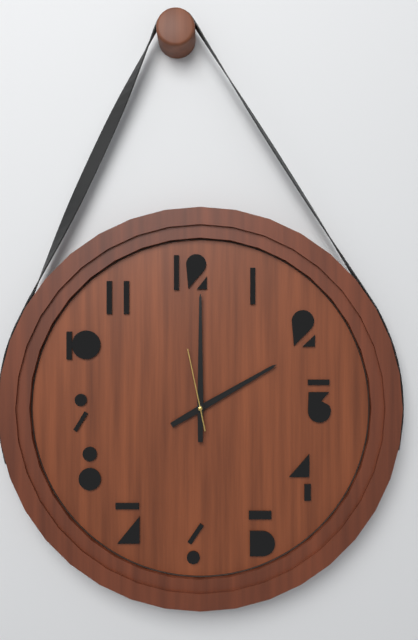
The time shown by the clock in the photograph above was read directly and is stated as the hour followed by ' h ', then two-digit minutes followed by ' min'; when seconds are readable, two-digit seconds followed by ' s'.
2 h 00 min 58 s
